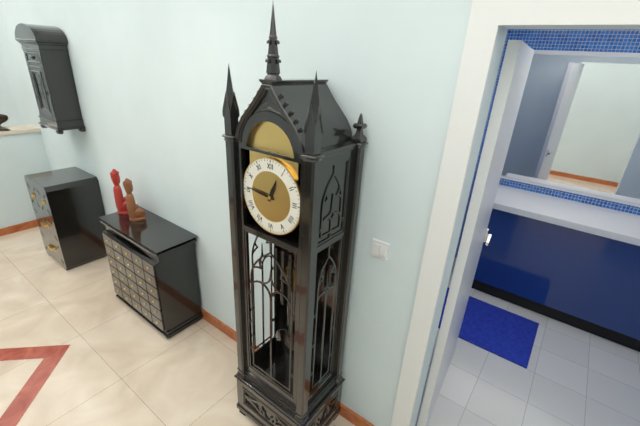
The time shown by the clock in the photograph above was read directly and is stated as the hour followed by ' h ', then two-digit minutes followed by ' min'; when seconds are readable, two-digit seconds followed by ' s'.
12 h 46 min
